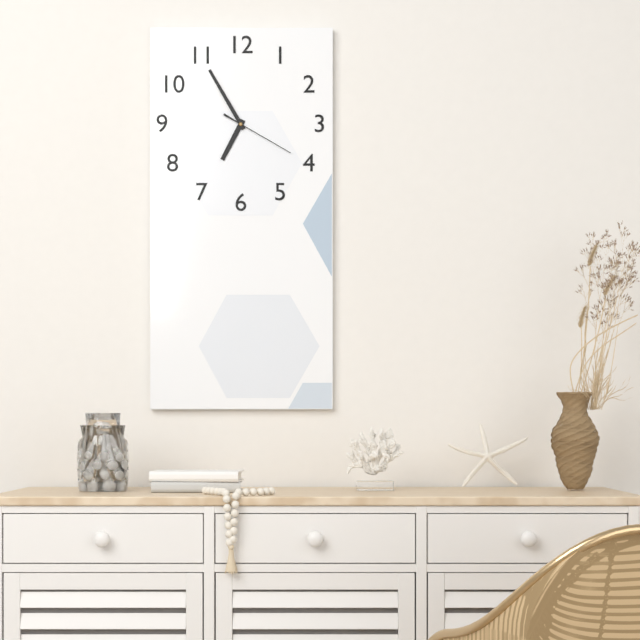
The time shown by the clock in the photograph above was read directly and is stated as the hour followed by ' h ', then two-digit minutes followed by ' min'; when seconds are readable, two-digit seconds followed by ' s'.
6 h 55 min 20 s
